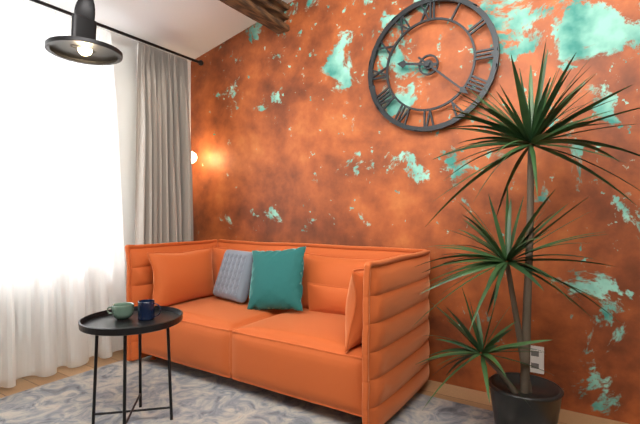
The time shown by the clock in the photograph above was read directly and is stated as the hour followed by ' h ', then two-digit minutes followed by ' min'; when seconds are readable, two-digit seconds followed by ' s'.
9 h 22 min
